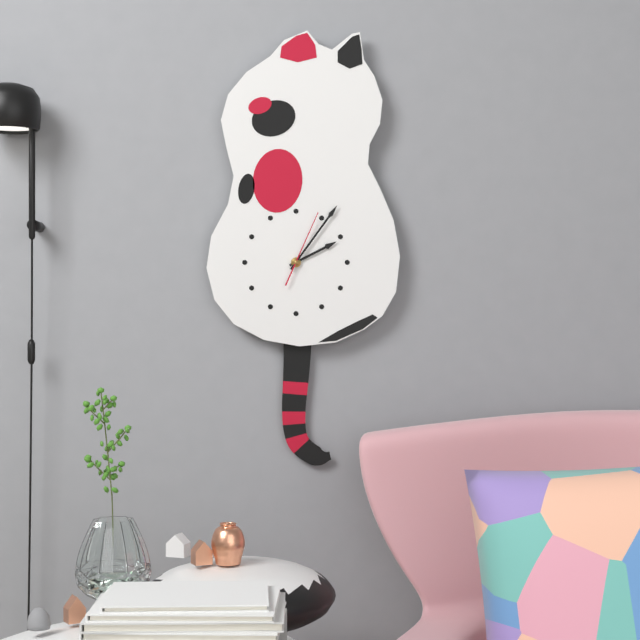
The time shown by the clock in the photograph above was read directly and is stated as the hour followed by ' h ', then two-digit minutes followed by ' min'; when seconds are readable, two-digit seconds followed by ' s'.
2 h 06 min 04 s
